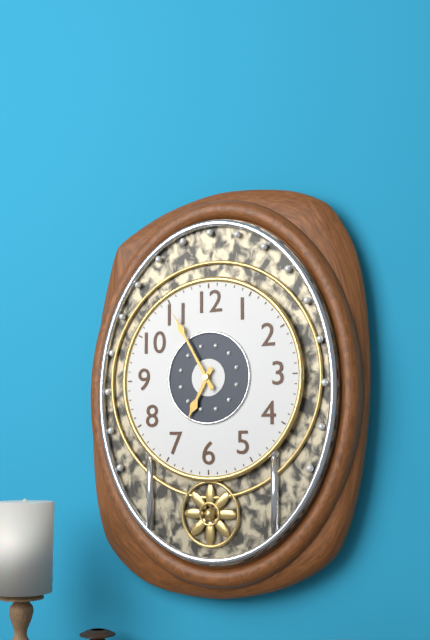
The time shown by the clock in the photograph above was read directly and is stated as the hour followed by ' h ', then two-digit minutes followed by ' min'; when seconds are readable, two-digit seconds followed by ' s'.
6 h 55 min
